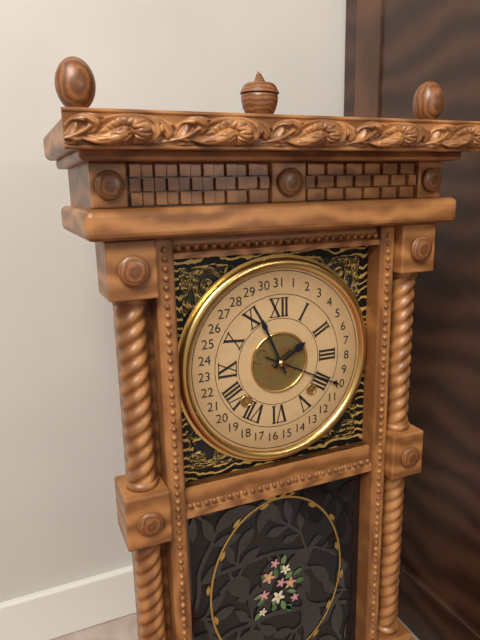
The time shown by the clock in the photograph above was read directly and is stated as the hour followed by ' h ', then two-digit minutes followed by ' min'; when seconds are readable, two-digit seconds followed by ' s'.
1 h 56 min
